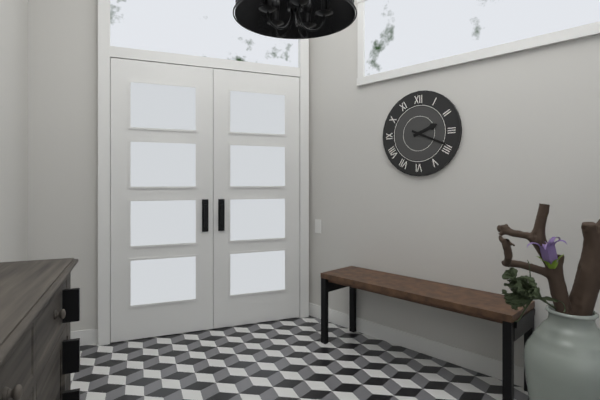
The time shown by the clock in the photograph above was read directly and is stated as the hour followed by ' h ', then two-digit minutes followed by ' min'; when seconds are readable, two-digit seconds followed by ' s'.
2 h 19 min
